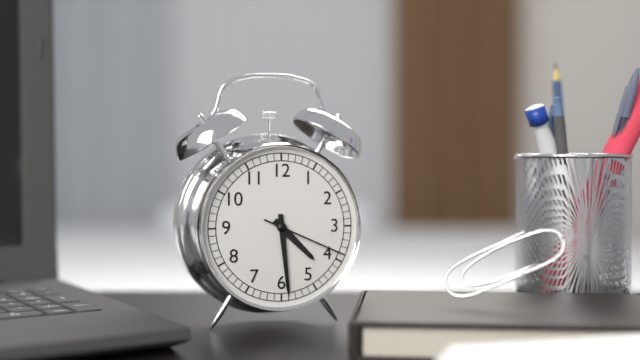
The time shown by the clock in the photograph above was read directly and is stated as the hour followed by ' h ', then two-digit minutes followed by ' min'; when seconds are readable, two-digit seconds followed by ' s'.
4 h 29 min 19 s
